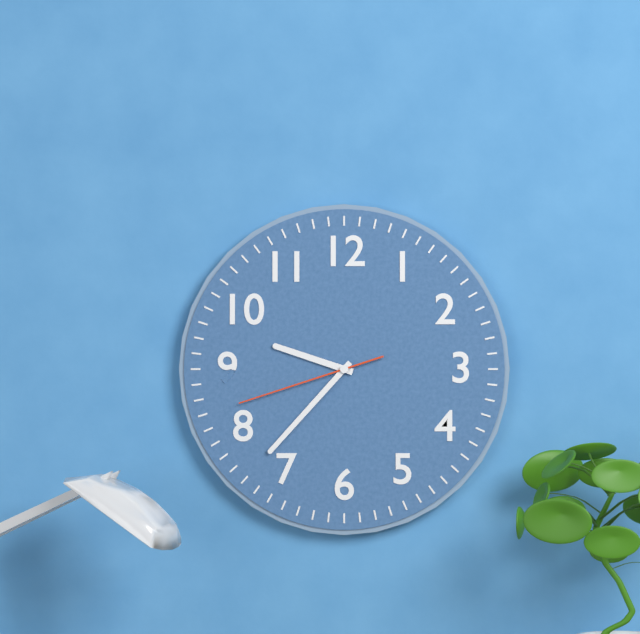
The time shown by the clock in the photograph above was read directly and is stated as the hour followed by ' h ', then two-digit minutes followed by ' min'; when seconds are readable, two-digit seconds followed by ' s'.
9 h 37 min 42 s
